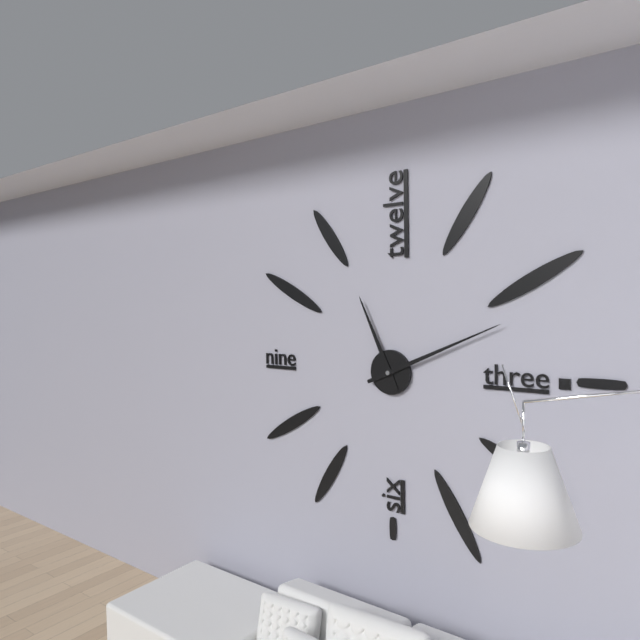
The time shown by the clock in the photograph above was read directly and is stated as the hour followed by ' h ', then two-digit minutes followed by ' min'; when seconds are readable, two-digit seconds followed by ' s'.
11 h 11 min
